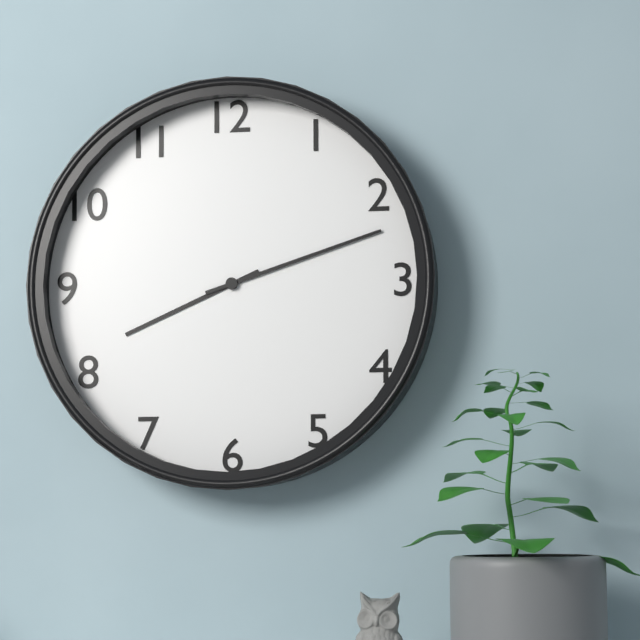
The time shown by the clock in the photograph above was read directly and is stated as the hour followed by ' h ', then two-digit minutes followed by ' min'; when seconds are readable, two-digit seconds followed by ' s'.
8 h 12 min
